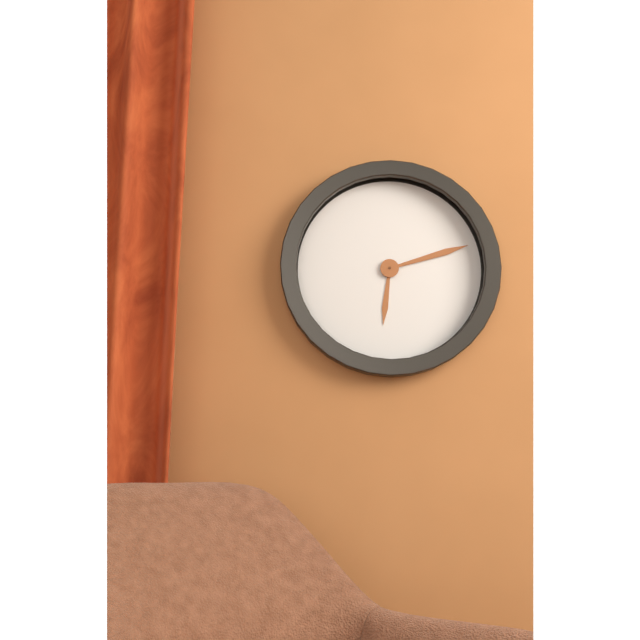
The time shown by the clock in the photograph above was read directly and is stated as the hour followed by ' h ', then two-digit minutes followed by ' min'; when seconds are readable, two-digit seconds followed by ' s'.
6 h 12 min
